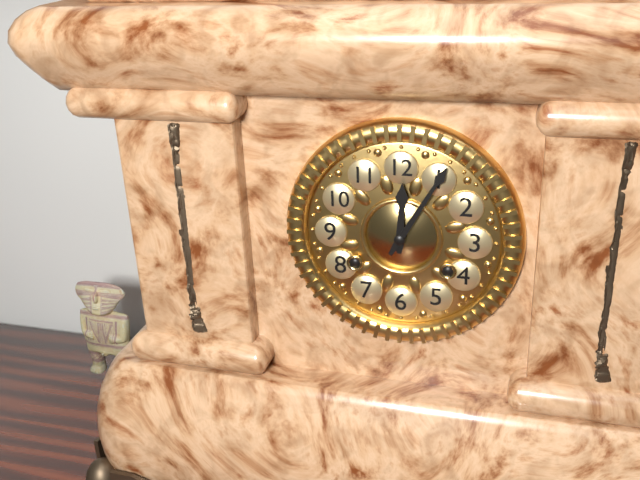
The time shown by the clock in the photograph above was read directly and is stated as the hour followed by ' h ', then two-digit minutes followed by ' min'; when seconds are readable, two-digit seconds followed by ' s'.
12 h 05 min
